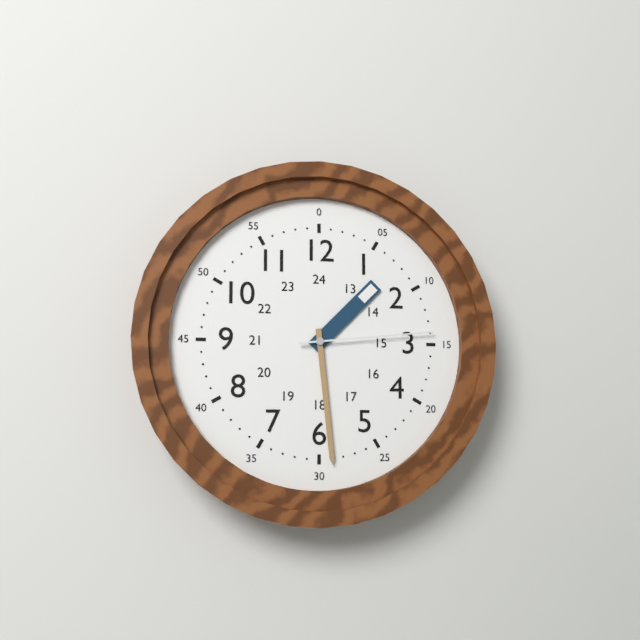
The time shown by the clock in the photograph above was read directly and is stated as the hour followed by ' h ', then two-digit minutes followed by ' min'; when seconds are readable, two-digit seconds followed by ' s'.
1 h 29 min 14 s
